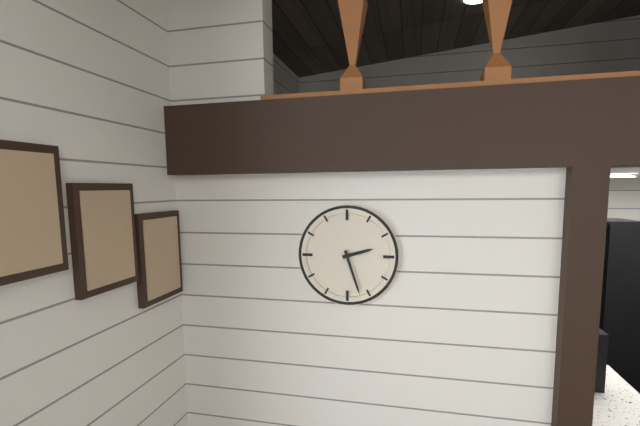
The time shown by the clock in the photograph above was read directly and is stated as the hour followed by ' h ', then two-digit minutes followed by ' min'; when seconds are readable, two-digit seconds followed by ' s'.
2 h 27 min
